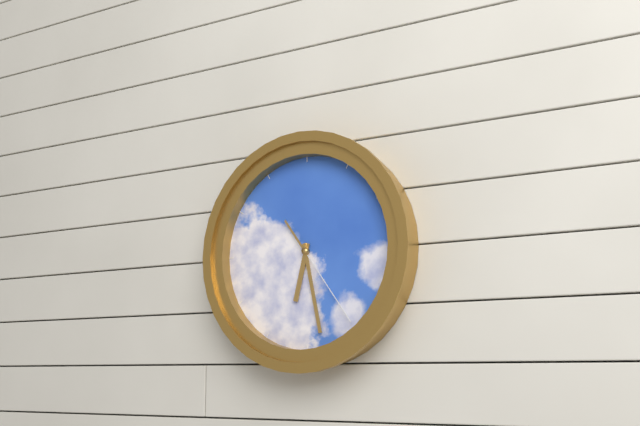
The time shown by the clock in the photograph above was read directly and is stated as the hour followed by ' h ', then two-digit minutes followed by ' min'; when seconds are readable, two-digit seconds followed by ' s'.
6 h 28 min 24 s
